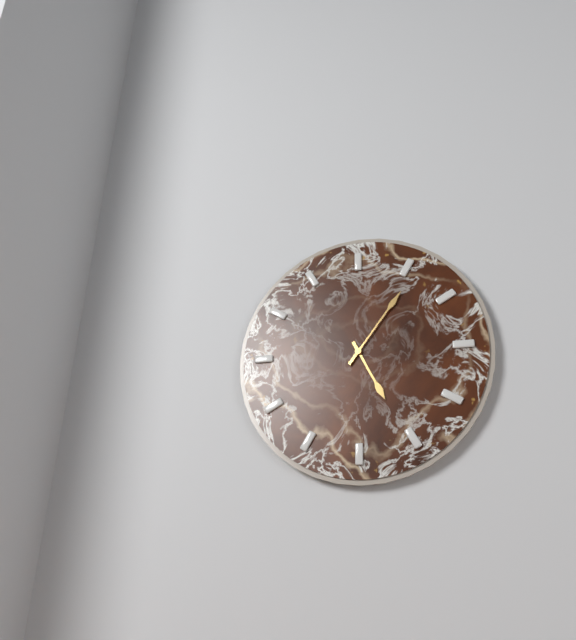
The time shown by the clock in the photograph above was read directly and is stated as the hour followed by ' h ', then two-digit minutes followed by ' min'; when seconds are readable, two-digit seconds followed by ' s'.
5 h 06 min
